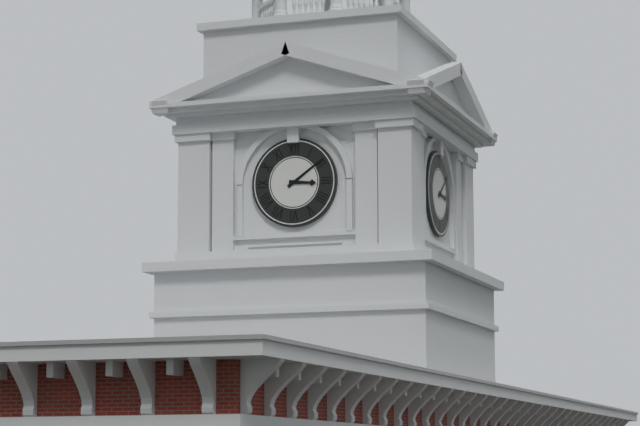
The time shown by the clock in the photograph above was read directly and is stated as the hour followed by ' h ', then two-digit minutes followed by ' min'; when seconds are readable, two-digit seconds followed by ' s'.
3 h 09 min
